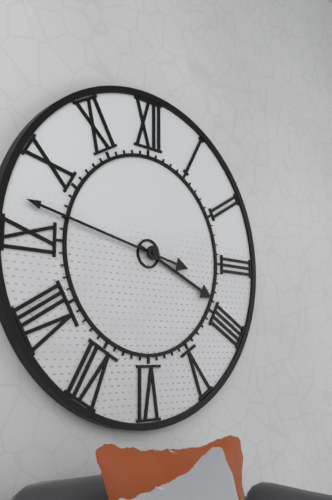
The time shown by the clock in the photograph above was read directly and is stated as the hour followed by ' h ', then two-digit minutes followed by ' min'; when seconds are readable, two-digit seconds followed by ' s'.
3 h 47 min
